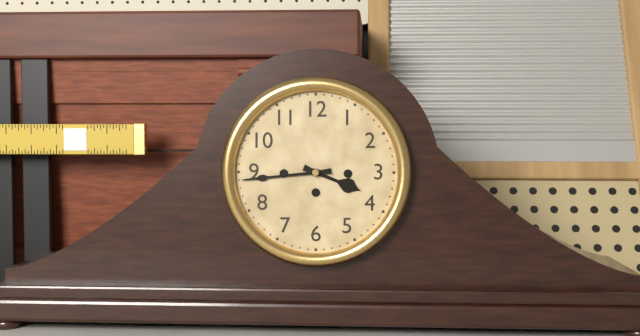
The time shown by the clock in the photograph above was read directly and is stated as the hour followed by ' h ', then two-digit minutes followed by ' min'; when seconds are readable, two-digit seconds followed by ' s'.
3 h 44 min
